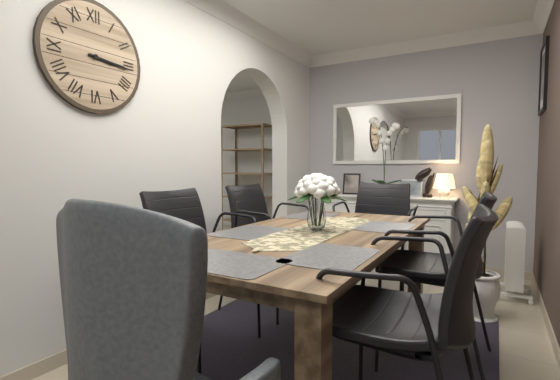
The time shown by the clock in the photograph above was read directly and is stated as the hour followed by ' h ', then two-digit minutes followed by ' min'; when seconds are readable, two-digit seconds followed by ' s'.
3 h 16 min
